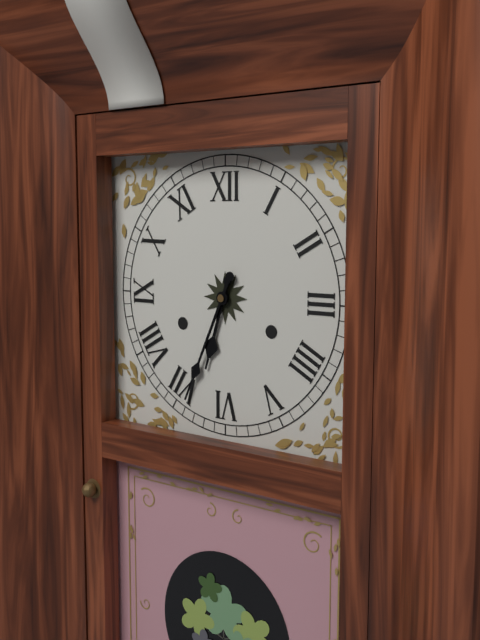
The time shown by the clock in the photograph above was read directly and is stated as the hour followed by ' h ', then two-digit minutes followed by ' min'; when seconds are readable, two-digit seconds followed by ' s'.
6 h 34 min
